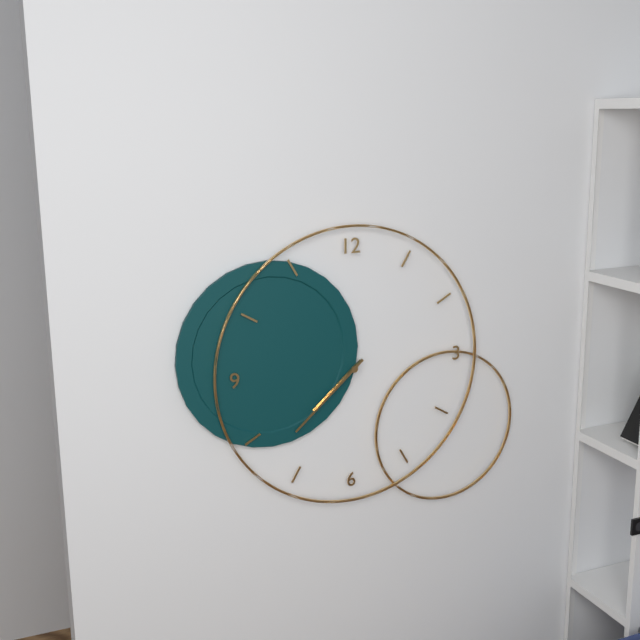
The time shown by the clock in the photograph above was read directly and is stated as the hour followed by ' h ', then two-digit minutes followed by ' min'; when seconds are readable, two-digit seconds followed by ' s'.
7 h 38 min
